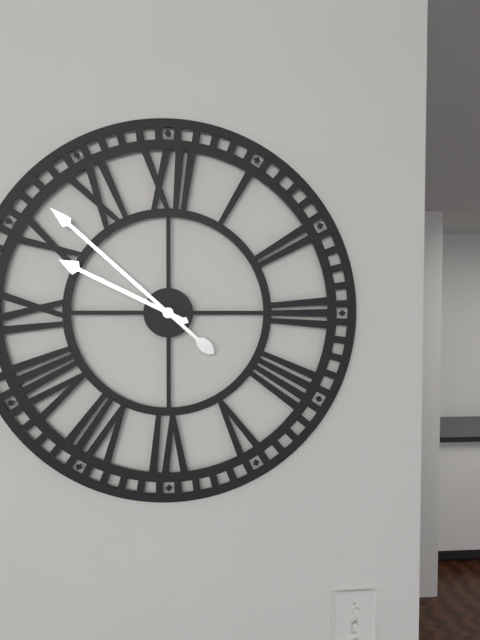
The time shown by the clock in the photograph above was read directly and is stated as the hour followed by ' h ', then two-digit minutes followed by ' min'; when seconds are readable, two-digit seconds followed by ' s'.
9 h 52 min
